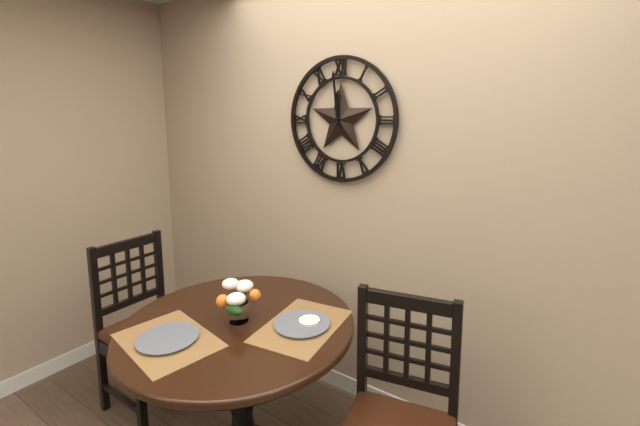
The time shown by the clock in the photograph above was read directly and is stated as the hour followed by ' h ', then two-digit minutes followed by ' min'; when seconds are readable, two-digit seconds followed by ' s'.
11 h 59 min
